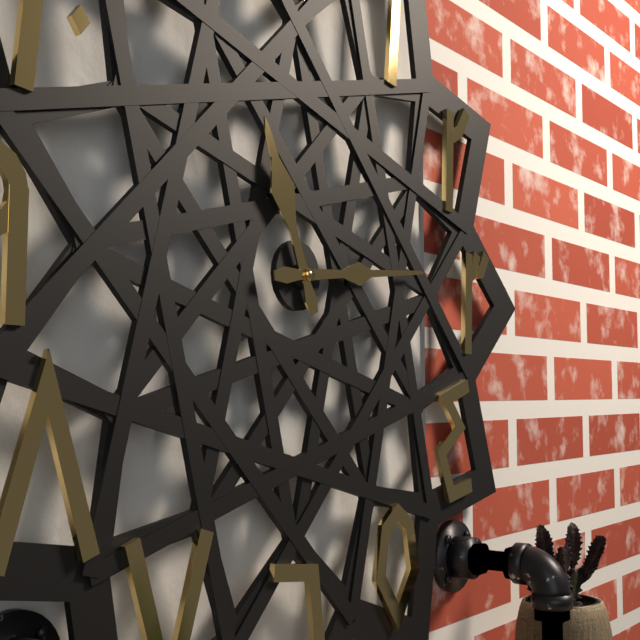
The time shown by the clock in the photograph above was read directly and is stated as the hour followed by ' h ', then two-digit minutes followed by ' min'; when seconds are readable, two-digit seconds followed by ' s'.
11 h 14 min
